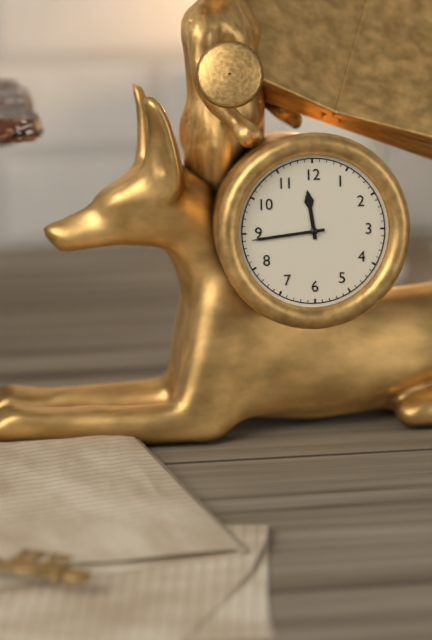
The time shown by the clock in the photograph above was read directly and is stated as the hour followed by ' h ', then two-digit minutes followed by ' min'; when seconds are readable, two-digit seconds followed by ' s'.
11 h 44 min
